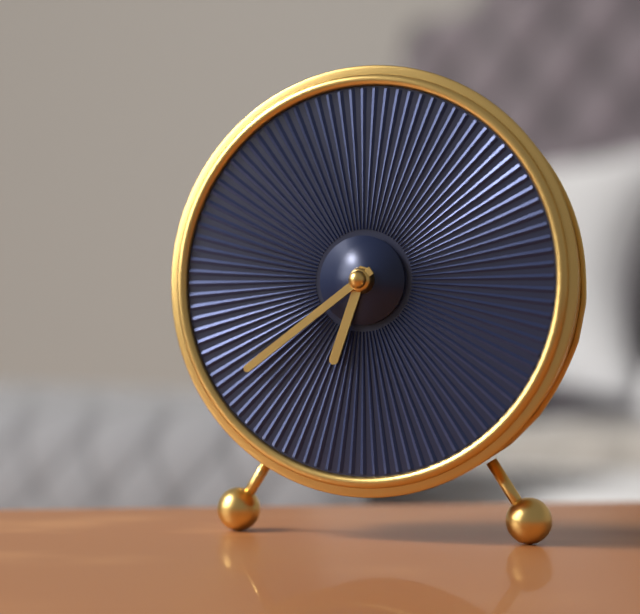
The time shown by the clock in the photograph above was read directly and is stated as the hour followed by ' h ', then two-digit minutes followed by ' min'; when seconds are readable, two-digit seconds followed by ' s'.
6 h 39 min
